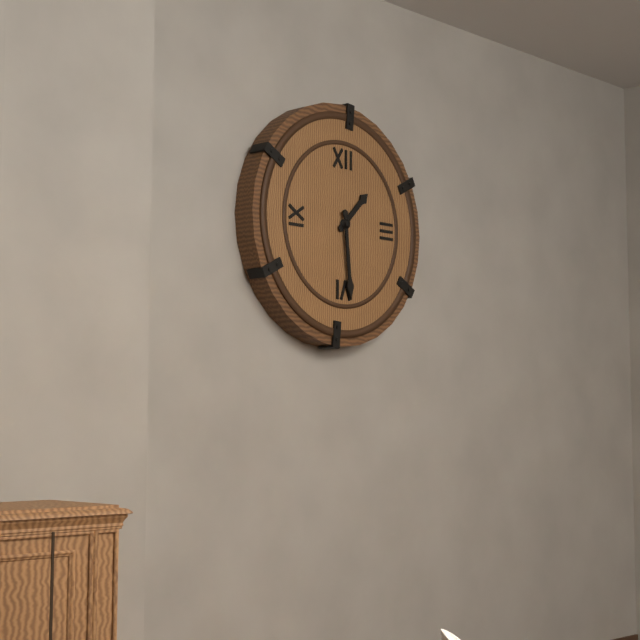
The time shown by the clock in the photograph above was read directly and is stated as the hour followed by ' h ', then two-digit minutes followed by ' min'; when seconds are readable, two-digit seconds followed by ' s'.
1 h 29 min
